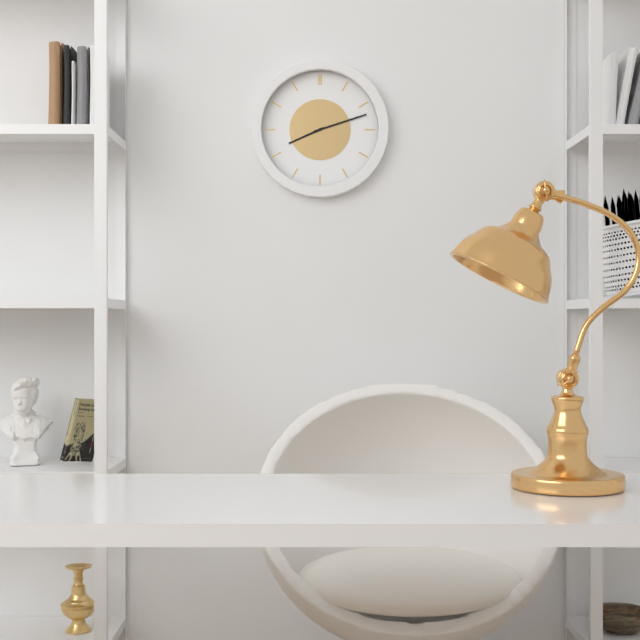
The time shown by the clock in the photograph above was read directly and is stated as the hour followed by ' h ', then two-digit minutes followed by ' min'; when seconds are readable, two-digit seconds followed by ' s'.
8 h 12 min
